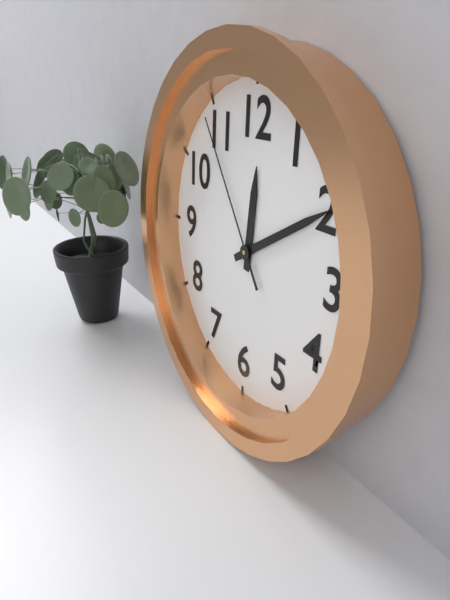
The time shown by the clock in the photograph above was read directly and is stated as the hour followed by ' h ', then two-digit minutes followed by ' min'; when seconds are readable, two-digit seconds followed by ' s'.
12 h 10 min 54 s
